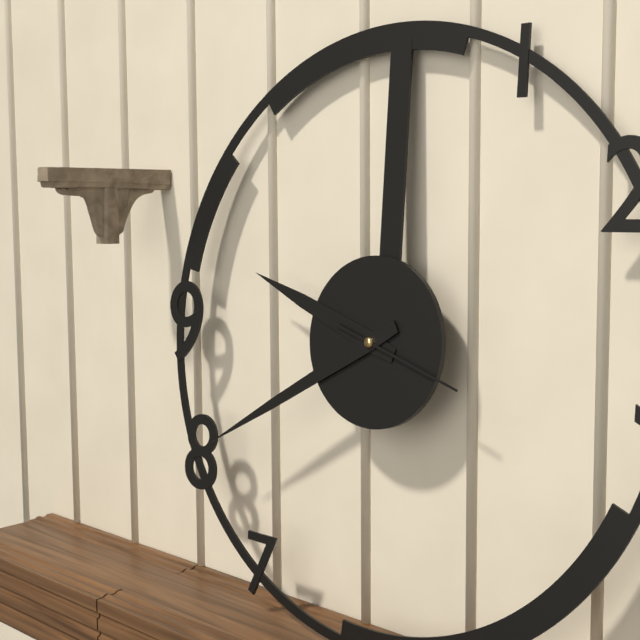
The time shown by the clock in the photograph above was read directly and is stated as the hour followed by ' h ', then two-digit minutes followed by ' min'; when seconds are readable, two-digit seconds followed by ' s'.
9 h 40 min 18 s
